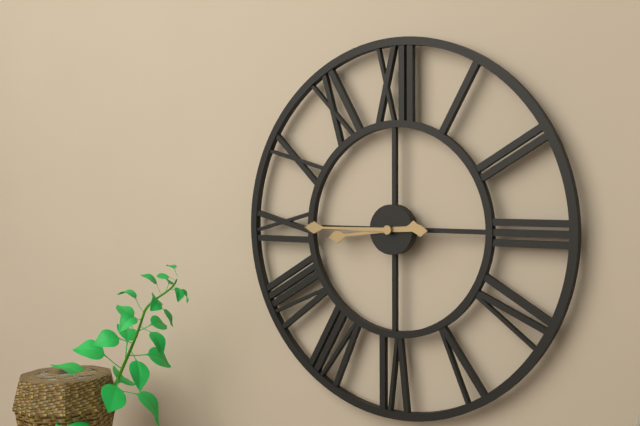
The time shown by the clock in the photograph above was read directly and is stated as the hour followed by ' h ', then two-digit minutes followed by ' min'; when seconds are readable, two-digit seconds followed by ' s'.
8 h 45 min
